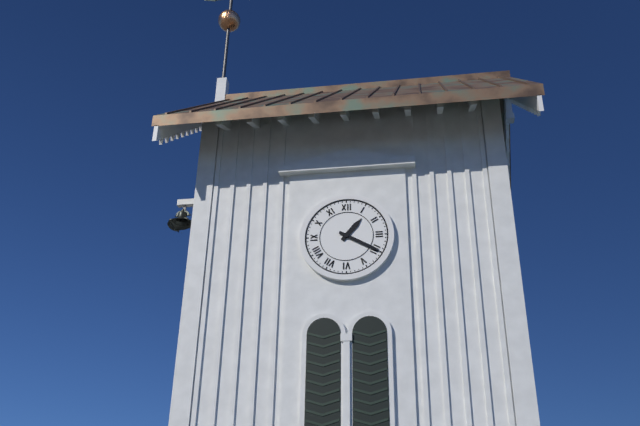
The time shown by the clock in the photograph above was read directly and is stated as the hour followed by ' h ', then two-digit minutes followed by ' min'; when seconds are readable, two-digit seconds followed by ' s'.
1 h 20 min
